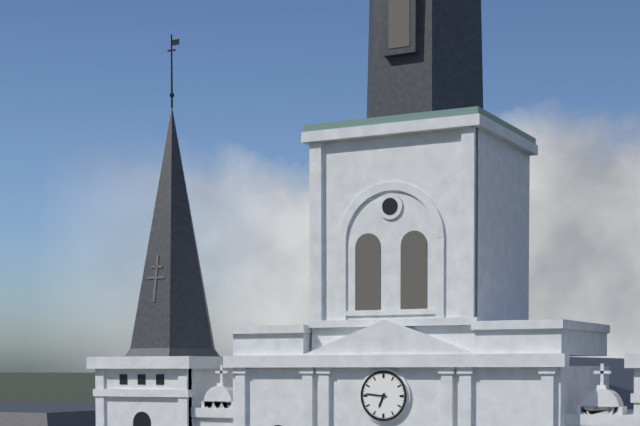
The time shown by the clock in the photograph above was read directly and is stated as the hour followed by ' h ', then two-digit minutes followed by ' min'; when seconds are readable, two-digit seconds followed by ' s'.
6 h 46 min
